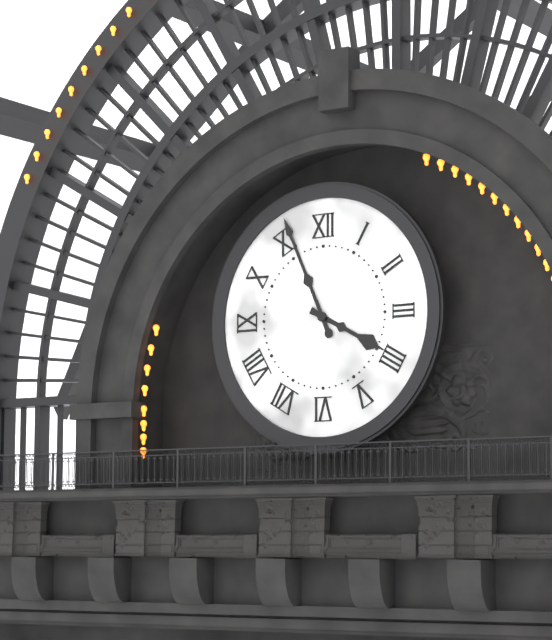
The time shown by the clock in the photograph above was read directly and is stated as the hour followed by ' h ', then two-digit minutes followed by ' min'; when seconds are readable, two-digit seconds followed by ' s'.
3 h 56 min
